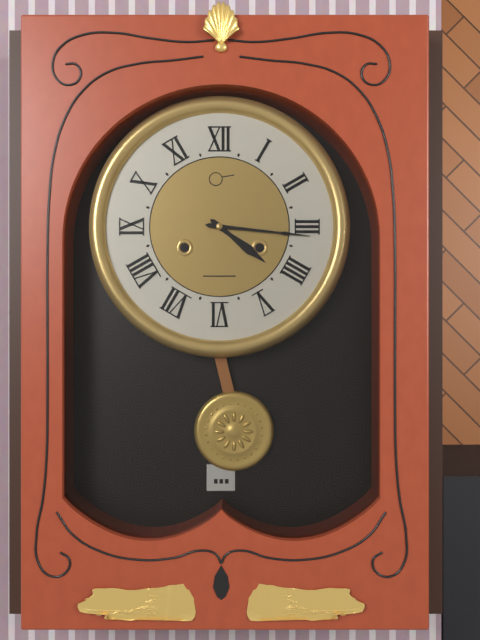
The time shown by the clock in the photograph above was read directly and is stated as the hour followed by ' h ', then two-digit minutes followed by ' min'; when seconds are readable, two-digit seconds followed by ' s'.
4 h 16 min
